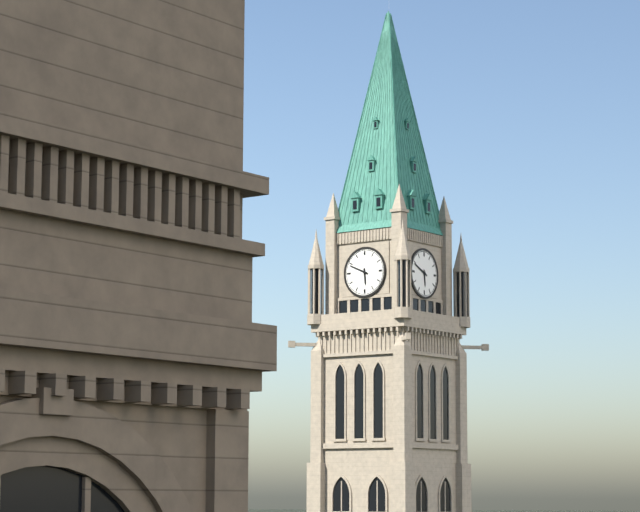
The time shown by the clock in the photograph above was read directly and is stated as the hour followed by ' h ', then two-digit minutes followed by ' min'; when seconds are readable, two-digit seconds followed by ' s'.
5 h 49 min
